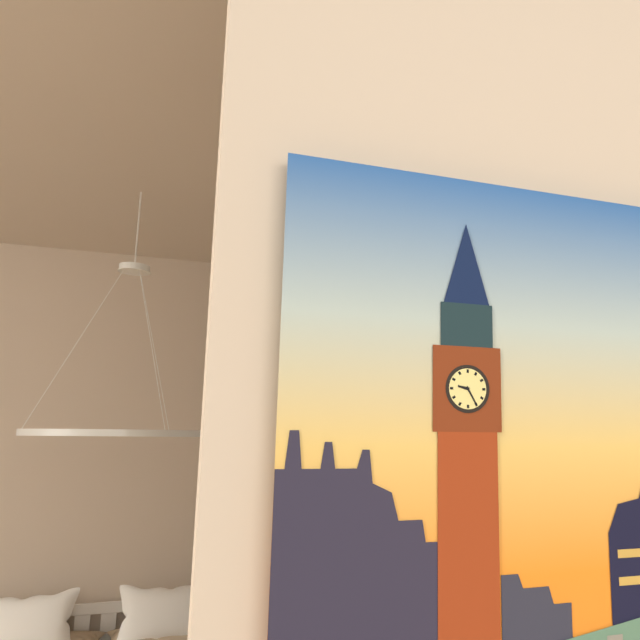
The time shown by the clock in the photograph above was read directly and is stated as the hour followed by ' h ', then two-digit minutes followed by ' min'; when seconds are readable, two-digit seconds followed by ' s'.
9 h 25 min
